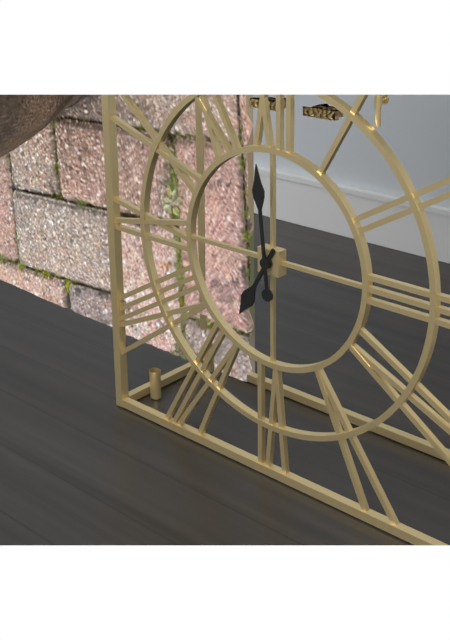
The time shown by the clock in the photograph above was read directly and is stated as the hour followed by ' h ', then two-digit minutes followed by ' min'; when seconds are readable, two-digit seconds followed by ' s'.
6 h 59 min
